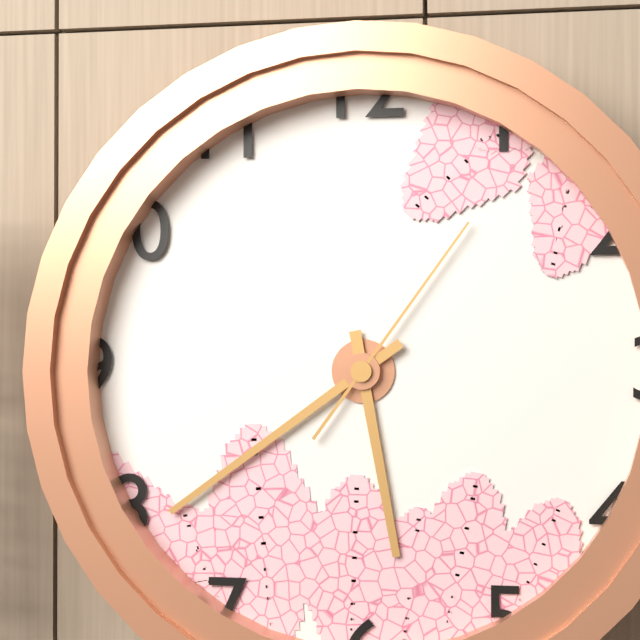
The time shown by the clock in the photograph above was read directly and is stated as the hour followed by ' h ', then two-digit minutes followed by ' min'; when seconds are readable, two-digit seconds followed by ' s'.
5 h 39 min 06 s
